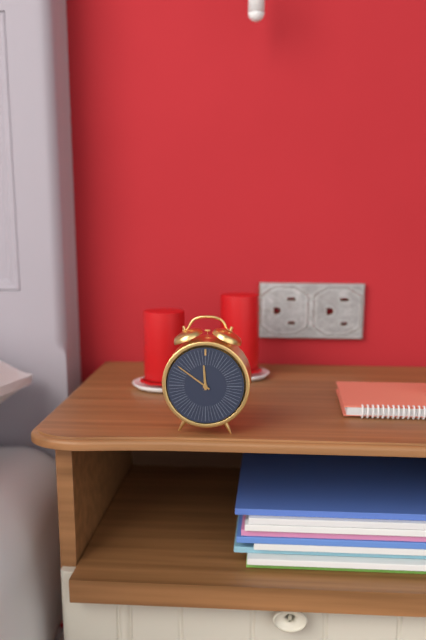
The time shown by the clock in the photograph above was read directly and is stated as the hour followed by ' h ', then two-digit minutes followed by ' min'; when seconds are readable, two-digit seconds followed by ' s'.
11 h 51 min
